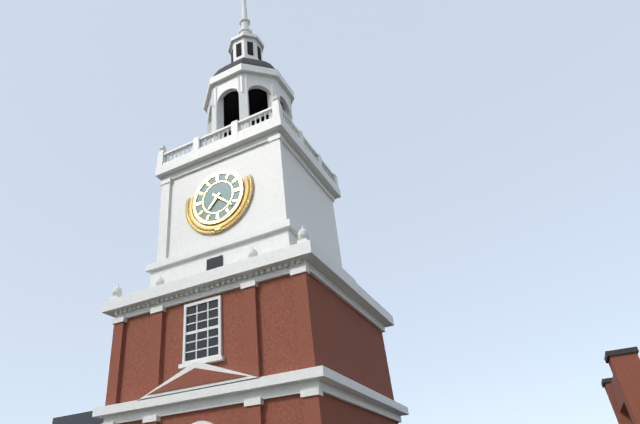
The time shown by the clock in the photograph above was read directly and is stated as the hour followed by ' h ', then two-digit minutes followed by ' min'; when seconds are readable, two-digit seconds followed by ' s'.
7 h 22 min
